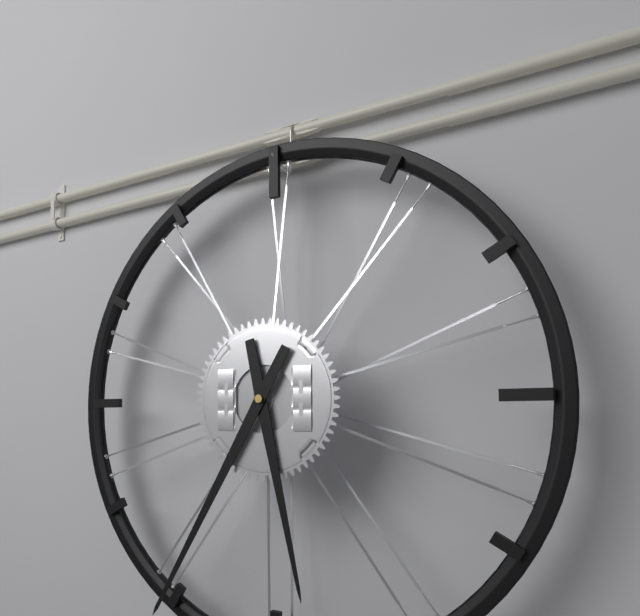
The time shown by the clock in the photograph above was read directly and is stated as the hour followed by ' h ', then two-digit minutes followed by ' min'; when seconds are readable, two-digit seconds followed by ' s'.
5 h 35 min
